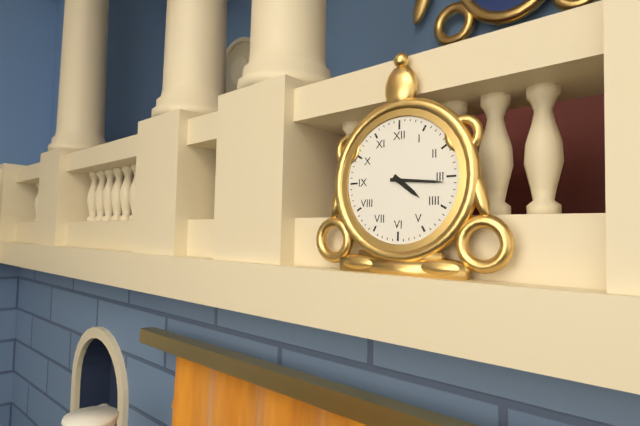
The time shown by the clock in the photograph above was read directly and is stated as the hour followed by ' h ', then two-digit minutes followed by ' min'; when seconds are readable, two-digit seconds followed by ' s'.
4 h 16 min
